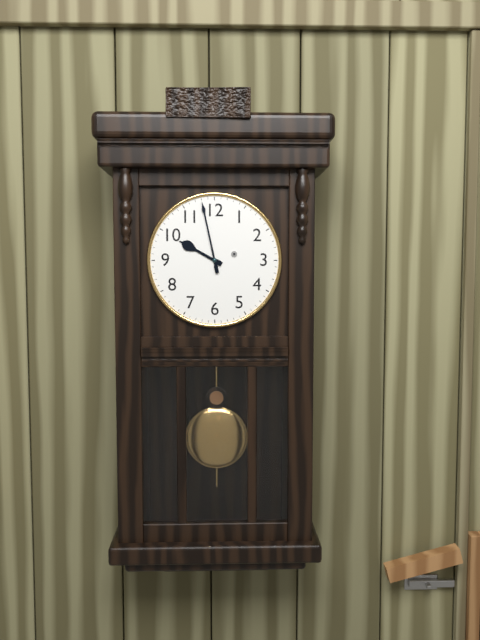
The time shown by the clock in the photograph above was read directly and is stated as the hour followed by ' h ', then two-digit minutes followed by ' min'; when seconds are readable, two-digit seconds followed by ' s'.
9 h 58 min
